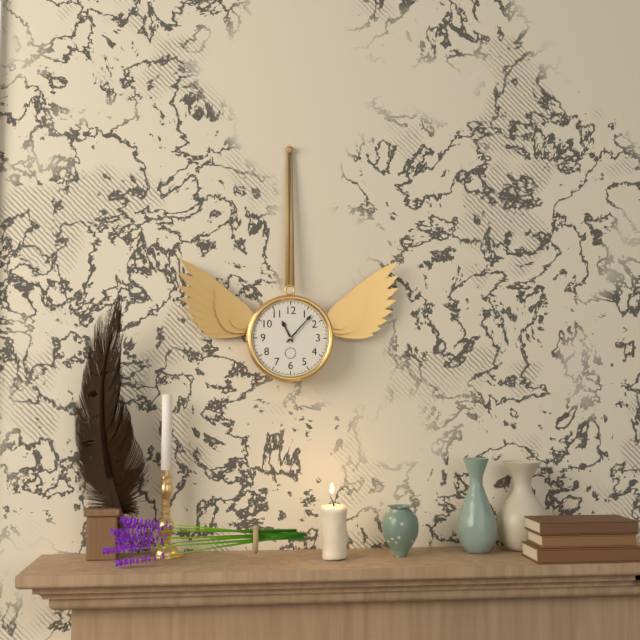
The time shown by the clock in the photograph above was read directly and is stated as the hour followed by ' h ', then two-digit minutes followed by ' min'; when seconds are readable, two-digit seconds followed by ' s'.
11 h 07 min
